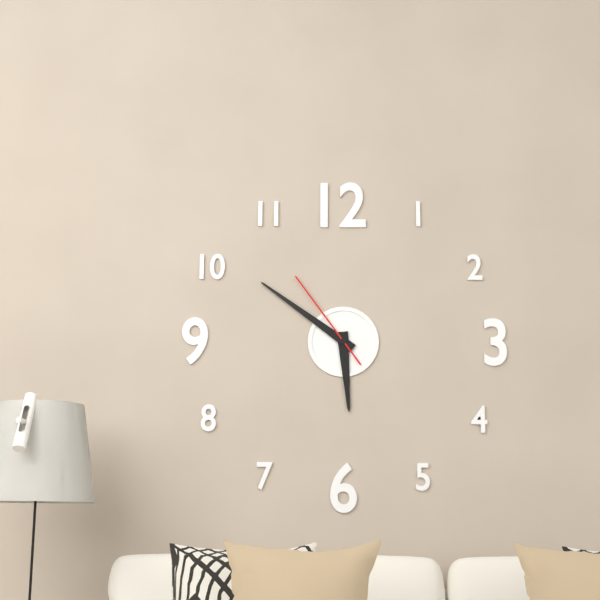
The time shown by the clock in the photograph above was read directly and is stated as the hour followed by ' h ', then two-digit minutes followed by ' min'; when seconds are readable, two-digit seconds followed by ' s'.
5 h 51 min 54 s
